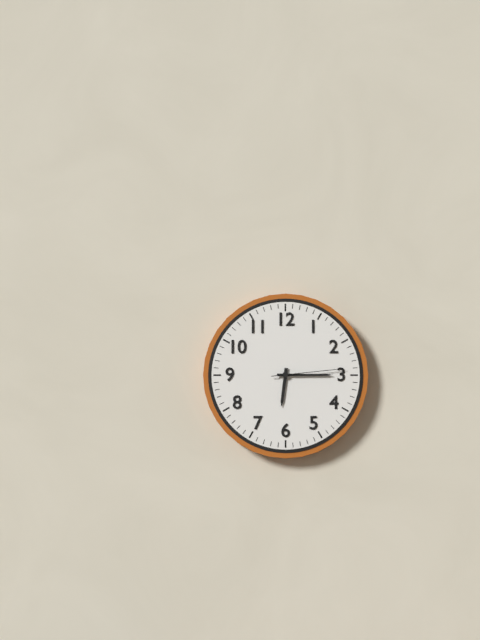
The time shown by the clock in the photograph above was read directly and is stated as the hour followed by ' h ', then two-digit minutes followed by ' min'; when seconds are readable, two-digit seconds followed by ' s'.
6 h 15 min 14 s
